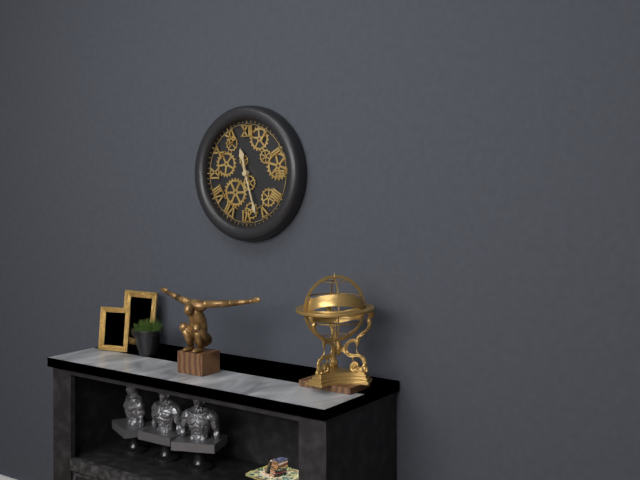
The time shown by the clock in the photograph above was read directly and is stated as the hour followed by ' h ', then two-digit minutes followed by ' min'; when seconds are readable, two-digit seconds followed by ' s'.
11 h 27 min
